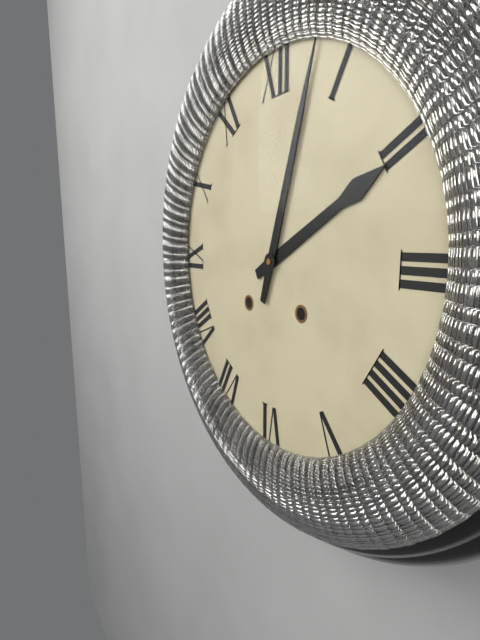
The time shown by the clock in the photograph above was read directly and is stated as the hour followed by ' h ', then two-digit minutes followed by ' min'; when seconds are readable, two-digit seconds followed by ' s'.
2 h 03 min
